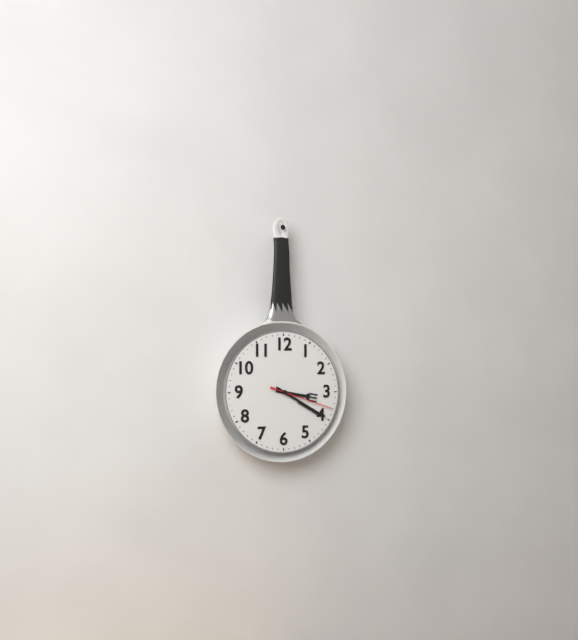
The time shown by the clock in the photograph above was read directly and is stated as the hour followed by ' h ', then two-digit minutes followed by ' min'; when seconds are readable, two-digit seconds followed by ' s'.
3 h 20 min 18 s
